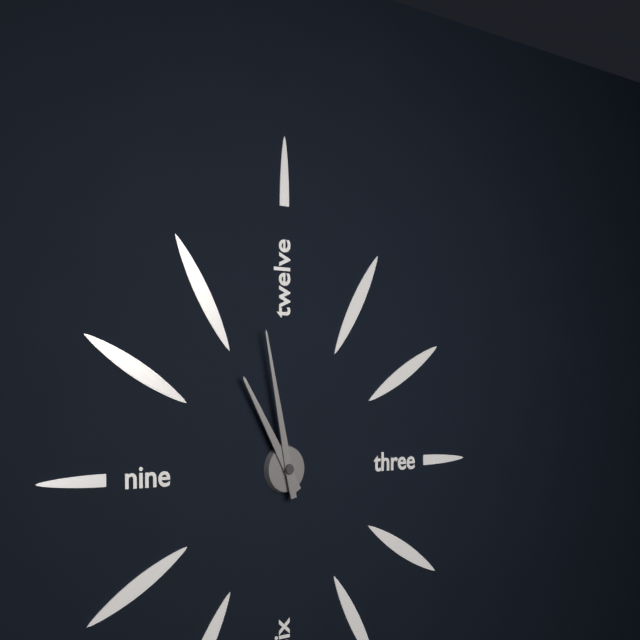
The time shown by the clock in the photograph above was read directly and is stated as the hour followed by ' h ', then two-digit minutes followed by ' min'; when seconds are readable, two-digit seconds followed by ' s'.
10 h 58 min
